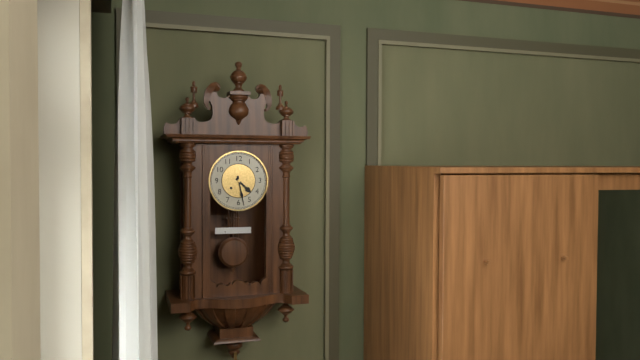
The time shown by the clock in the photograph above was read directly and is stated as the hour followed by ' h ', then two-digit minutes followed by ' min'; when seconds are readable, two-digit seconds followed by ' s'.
4 h 28 min
